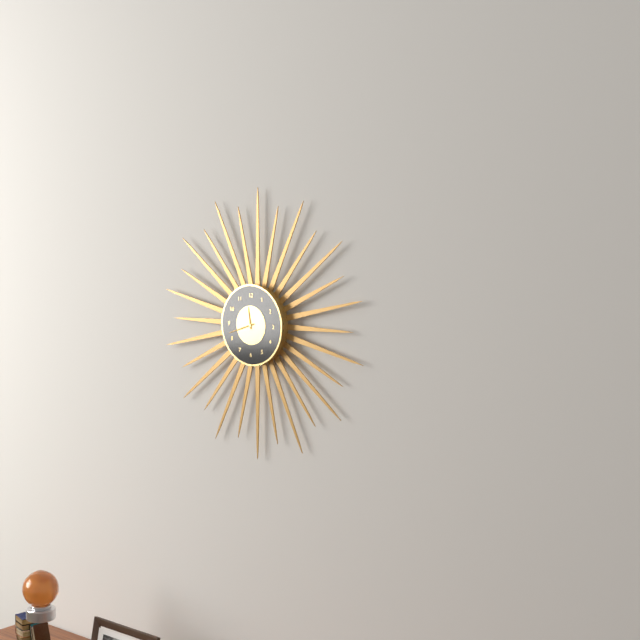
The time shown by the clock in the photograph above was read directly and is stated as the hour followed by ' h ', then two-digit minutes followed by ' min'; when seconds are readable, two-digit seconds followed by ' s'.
11 h 42 min
